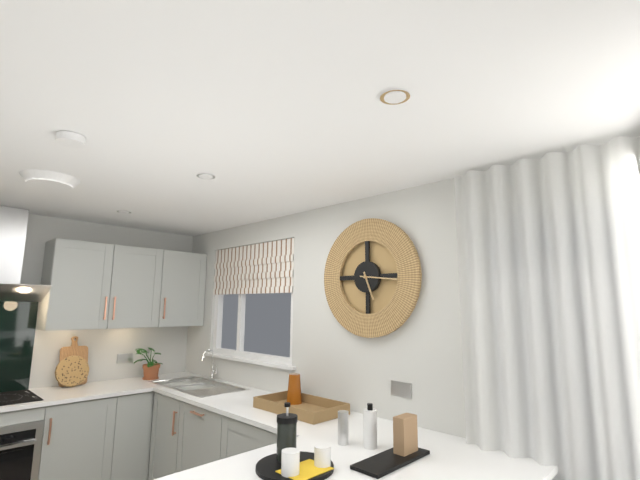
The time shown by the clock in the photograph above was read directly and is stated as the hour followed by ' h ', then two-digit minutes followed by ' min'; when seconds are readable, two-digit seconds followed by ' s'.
5 h 16 min
